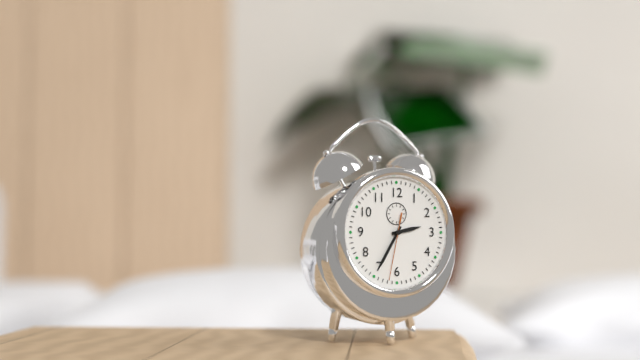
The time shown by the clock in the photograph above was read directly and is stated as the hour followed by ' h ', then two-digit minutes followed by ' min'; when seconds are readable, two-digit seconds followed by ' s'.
2 h 35 min 32 s
